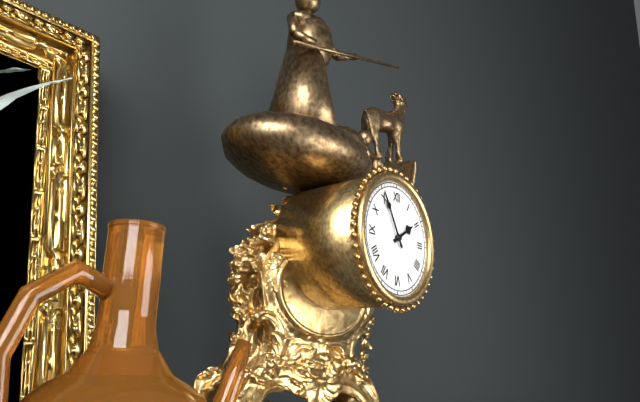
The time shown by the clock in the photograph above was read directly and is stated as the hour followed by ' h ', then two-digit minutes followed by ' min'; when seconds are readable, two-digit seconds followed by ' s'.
1 h 55 min
